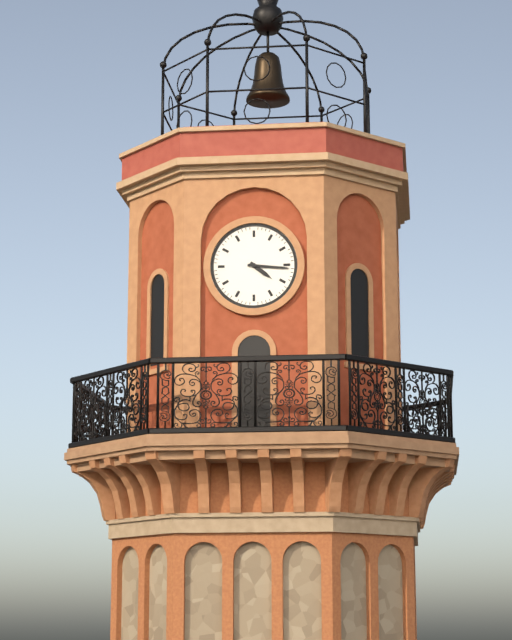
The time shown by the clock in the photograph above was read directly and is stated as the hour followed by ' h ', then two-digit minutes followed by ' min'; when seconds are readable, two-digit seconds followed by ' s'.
4 h 16 min
